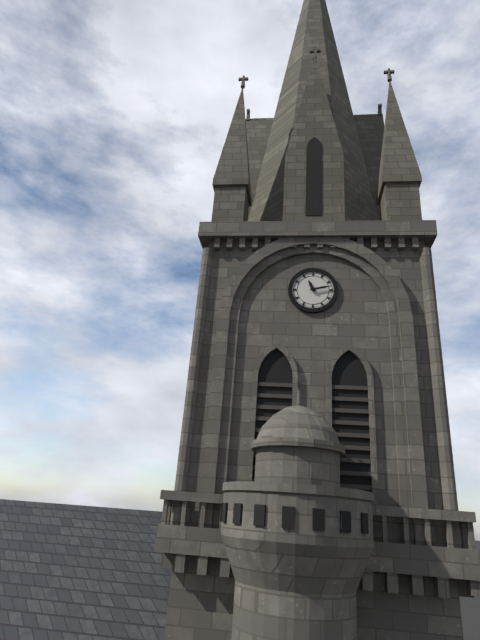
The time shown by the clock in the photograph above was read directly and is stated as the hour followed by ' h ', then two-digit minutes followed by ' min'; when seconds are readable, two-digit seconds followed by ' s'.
11 h 13 min
